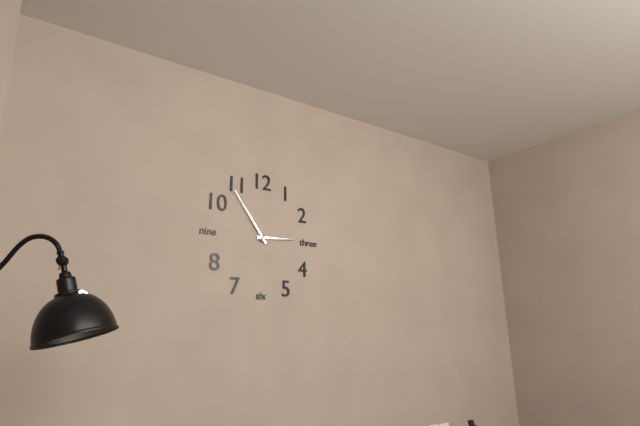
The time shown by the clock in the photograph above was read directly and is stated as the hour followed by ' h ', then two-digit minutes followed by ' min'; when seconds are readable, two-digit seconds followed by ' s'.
2 h 54 min
